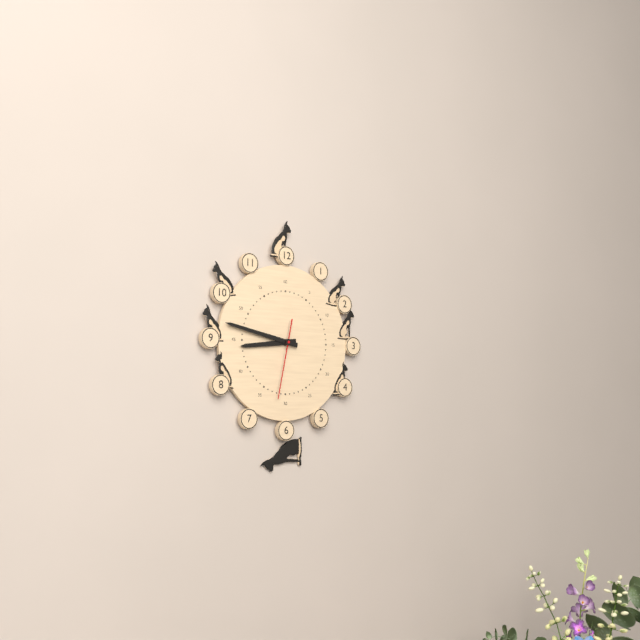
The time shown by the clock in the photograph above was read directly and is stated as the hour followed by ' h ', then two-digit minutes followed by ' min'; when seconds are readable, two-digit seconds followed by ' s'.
8 h 47 min 32 s
